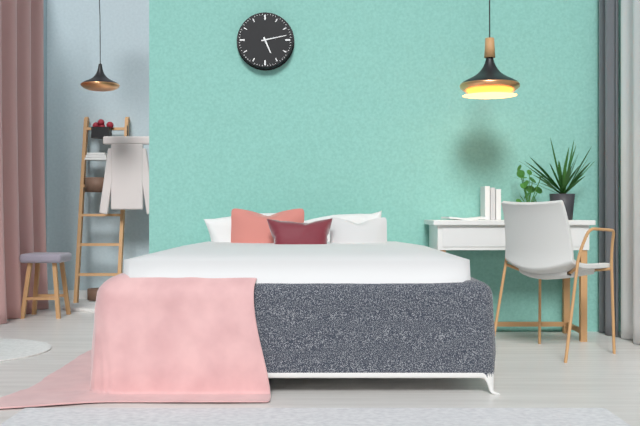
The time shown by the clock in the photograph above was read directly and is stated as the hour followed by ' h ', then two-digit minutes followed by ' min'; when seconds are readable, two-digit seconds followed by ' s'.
5 h 13 min
